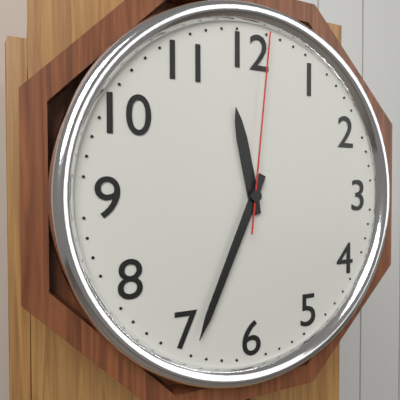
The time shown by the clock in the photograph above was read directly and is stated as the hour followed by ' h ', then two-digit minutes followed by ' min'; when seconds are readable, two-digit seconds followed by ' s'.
11 h 34 min 01 s
